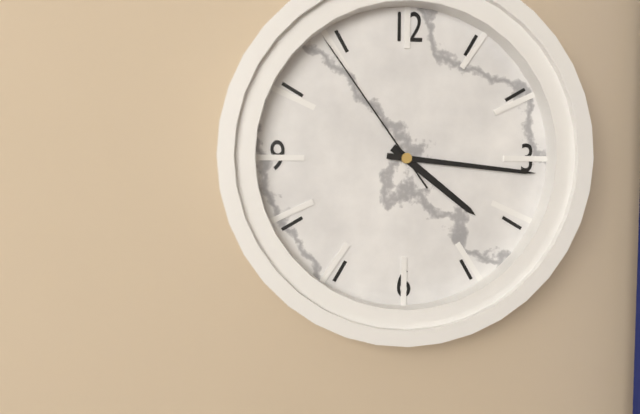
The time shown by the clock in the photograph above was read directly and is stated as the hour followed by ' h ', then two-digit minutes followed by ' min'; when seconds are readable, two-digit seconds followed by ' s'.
4 h 16 min 54 s
